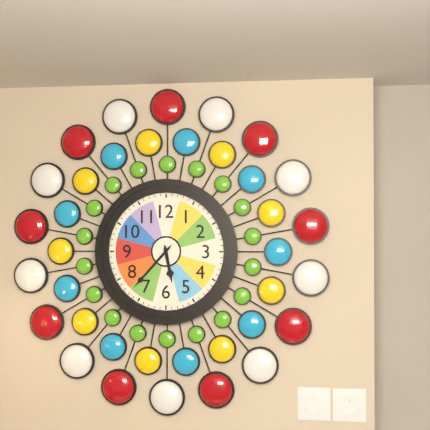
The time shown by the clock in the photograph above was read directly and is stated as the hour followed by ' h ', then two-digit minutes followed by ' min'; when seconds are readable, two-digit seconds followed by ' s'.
5 h 37 min
